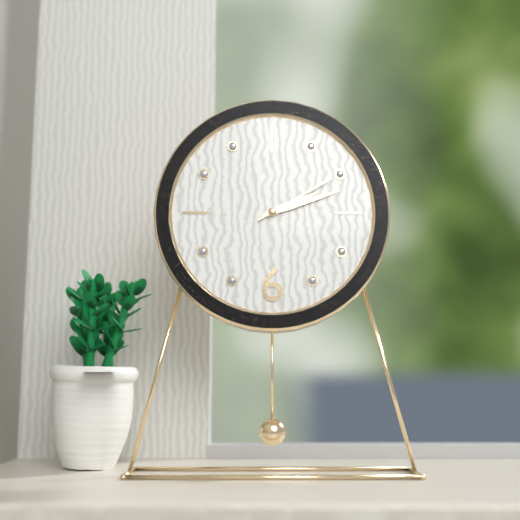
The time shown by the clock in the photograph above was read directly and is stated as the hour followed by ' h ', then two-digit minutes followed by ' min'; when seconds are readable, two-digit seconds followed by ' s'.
2 h 12 min 10 s
